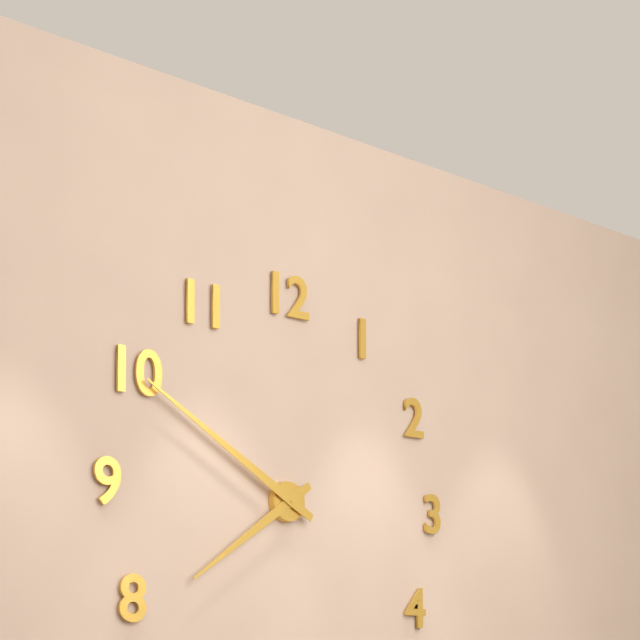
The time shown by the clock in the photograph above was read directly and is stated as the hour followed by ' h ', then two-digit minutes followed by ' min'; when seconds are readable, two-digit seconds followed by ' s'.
7 h 50 min
